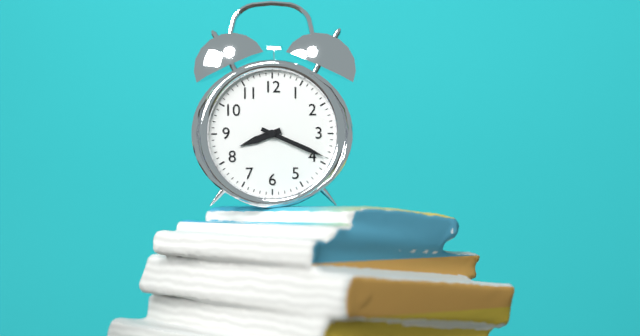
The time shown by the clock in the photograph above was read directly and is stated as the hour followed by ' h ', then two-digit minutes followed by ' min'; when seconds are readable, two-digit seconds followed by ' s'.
8 h 19 min
